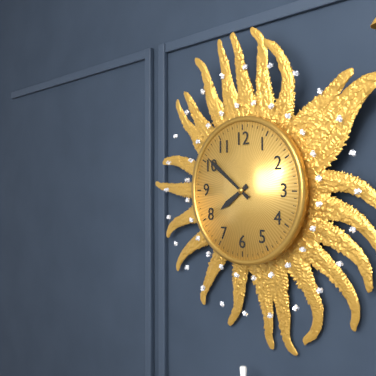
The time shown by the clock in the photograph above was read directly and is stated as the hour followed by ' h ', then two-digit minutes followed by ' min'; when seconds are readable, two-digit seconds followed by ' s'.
7 h 51 min
